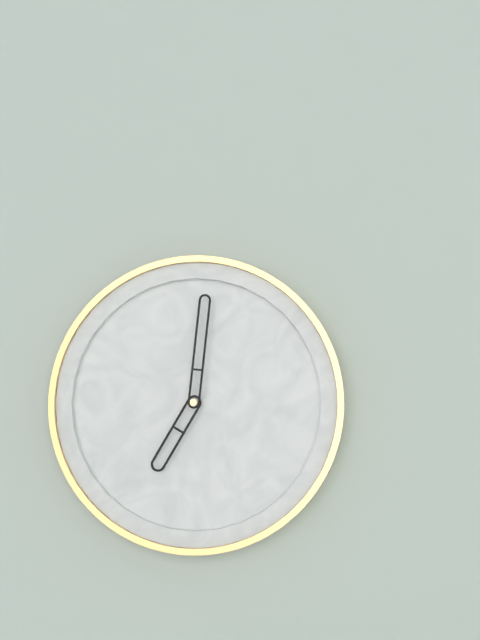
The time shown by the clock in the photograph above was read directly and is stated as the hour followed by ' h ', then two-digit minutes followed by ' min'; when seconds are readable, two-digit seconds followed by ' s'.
7 h 01 min
